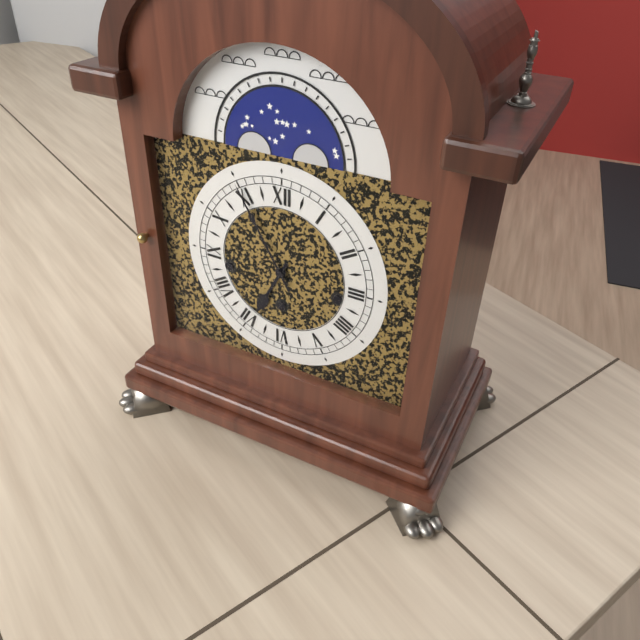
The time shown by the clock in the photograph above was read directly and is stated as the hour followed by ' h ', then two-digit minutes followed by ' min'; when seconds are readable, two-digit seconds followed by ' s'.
6 h 55 min
